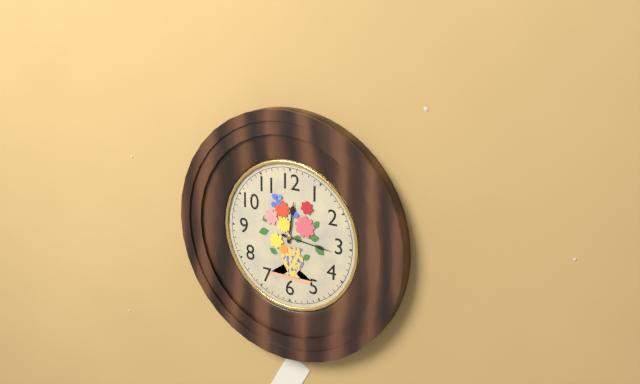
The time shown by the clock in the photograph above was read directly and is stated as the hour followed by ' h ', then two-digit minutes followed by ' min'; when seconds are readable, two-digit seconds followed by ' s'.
12 h 16 min
